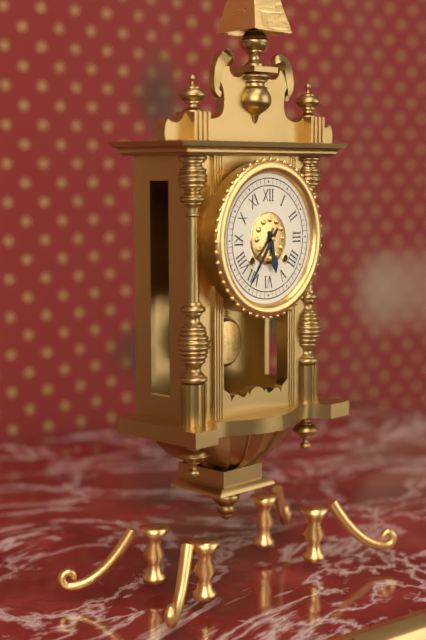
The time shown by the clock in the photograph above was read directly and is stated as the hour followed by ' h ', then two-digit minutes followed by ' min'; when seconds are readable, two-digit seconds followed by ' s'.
5 h 36 min
